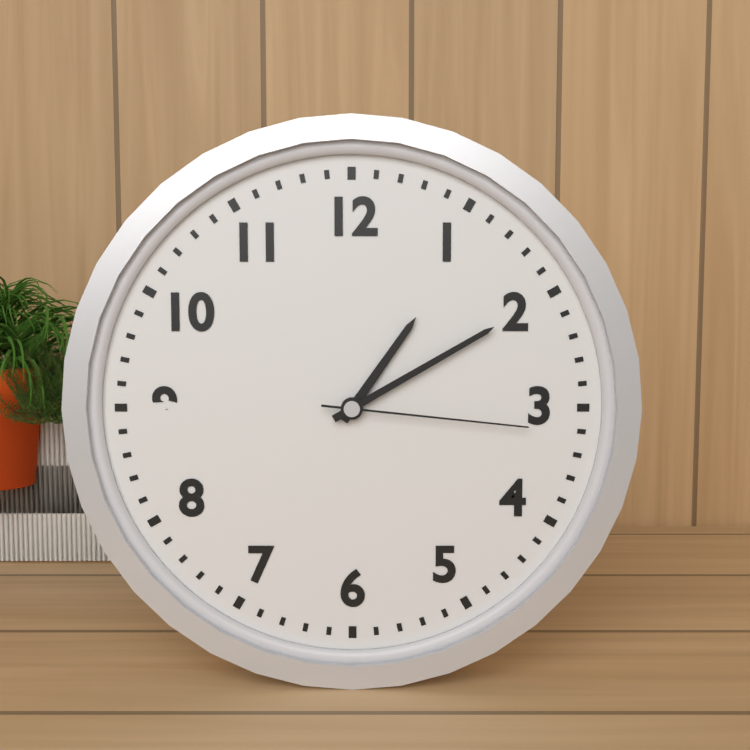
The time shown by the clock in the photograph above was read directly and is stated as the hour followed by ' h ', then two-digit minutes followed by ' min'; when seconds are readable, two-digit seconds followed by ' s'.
1 h 10 min 16 s
